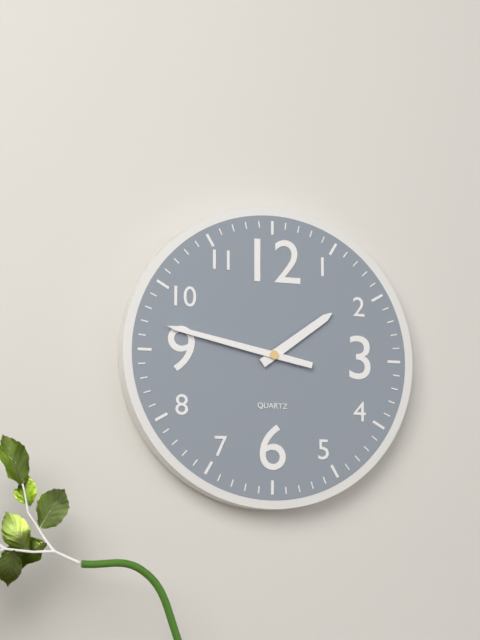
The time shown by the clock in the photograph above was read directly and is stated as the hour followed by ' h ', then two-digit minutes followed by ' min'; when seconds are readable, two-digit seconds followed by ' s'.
1 h 47 min
